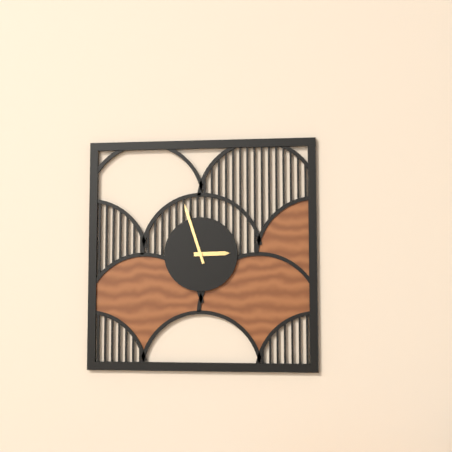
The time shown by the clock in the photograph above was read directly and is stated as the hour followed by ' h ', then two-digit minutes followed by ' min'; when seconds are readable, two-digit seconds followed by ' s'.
2 h 57 min
